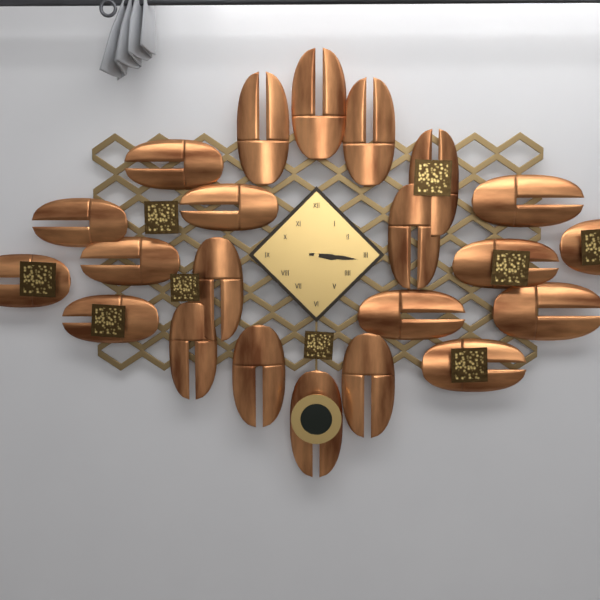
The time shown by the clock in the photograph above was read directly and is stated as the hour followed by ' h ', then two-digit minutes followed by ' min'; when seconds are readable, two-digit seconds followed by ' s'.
3 h 16 min
